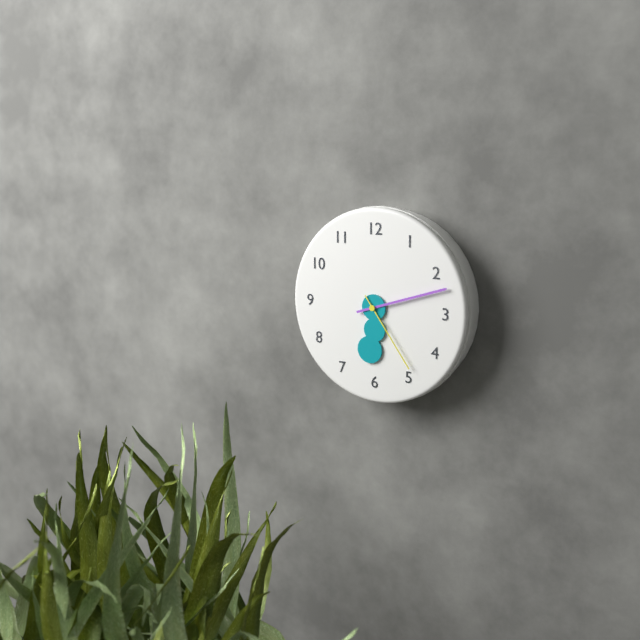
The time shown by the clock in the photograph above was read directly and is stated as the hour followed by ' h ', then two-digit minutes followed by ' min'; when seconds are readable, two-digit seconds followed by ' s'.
6 h 12 min 24 s
